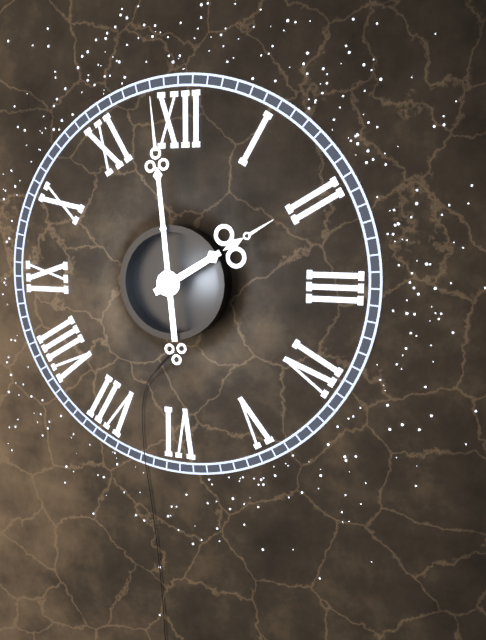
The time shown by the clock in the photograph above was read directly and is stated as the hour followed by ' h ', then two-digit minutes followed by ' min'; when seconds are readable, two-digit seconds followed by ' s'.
1 h 59 min
